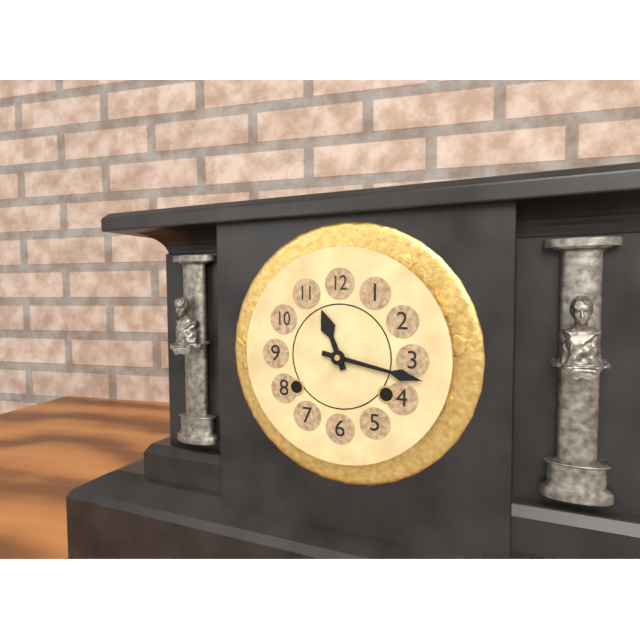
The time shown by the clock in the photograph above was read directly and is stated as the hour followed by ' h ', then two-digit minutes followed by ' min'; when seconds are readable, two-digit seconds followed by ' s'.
11 h 17 min
